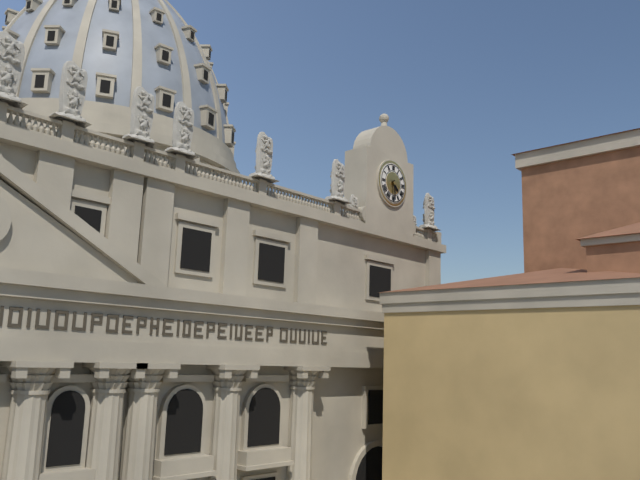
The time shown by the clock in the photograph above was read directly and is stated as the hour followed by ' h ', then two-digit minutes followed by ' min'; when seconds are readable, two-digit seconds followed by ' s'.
4 h 29 min
